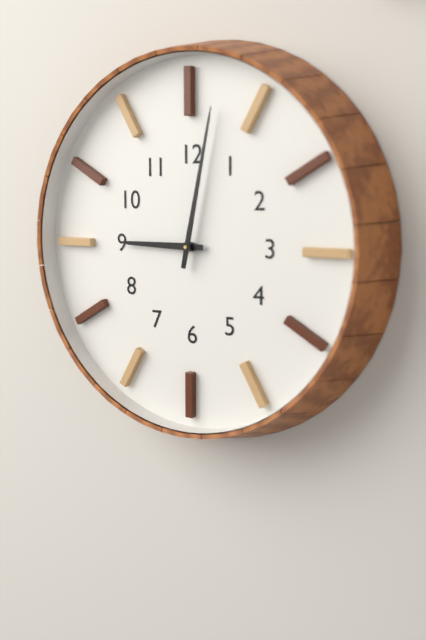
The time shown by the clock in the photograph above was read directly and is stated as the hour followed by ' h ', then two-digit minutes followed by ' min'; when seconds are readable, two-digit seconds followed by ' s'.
9 h 02 min
